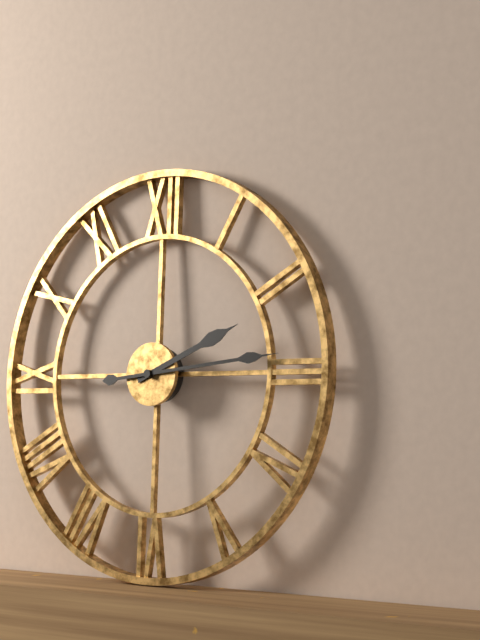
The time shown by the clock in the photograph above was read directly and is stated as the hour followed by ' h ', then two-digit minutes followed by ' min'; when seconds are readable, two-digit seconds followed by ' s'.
2 h 14 min
